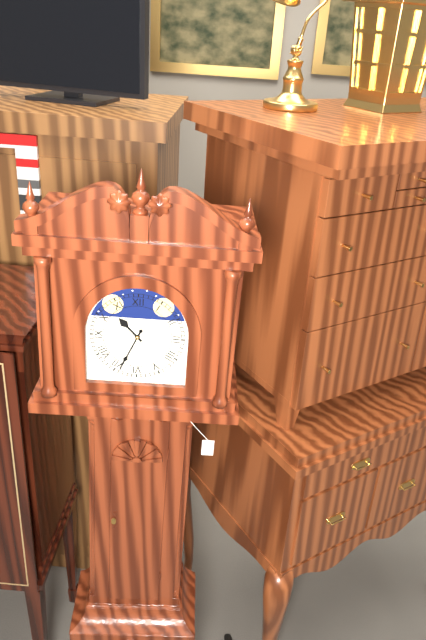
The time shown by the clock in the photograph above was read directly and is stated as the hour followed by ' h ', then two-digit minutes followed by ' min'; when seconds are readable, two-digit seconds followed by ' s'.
10 h 34 min
